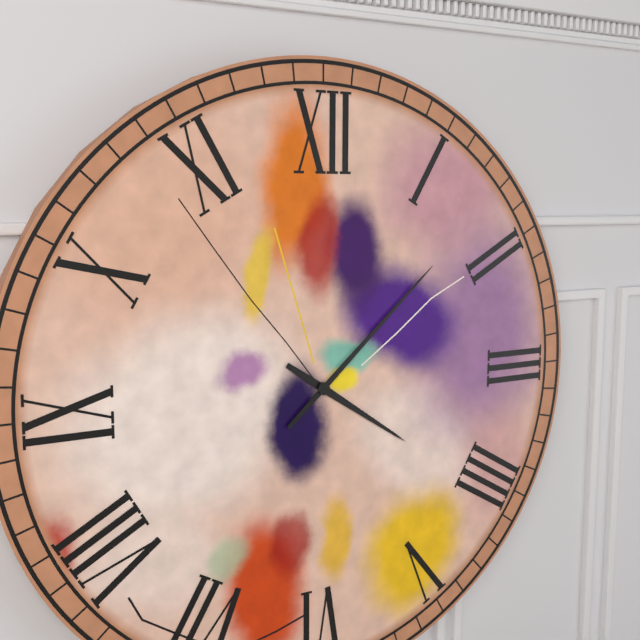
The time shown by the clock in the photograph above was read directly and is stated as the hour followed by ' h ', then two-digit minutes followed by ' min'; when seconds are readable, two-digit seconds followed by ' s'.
4 h 08 min
